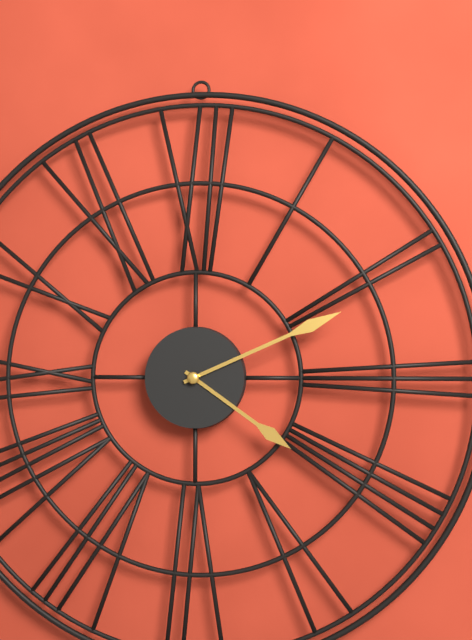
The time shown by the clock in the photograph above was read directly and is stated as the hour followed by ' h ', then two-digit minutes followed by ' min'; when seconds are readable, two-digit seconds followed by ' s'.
4 h 11 min
